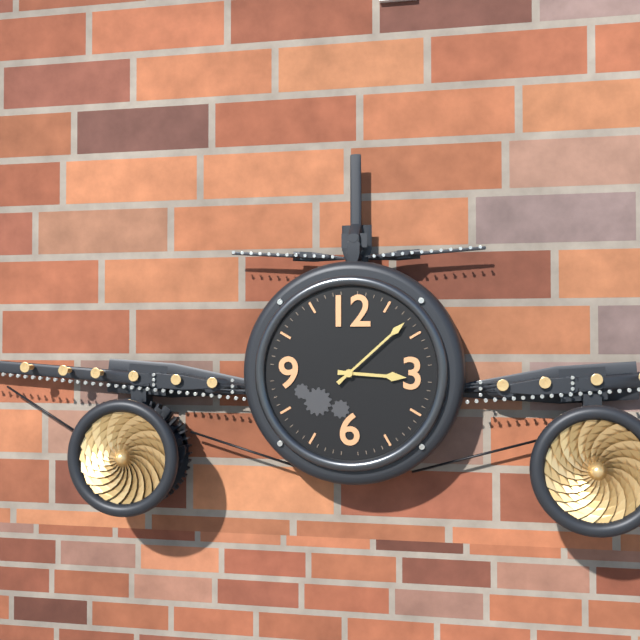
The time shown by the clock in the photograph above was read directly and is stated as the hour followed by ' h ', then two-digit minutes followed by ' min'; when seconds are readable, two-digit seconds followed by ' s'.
3 h 08 min
